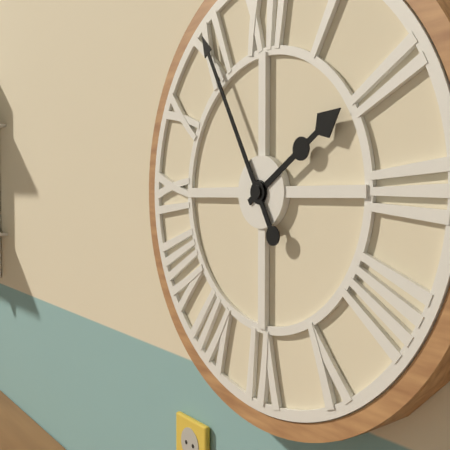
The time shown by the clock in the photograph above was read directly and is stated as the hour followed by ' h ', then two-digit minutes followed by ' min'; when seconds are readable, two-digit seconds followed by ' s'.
1 h 55 min
